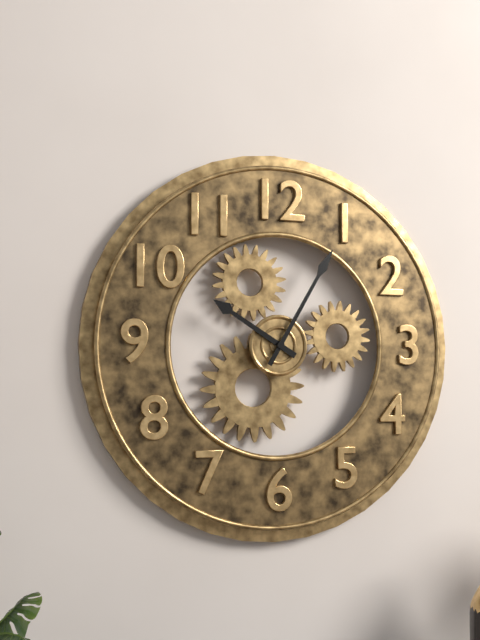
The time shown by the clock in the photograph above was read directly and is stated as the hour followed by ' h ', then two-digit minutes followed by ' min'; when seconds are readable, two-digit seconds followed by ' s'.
10 h 05 min
